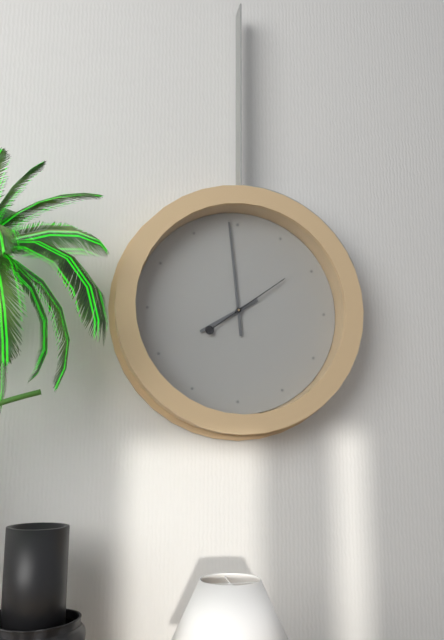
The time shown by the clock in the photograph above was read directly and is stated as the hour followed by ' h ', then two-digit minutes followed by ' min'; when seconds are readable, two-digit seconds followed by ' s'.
7 h 59 min 09 s
